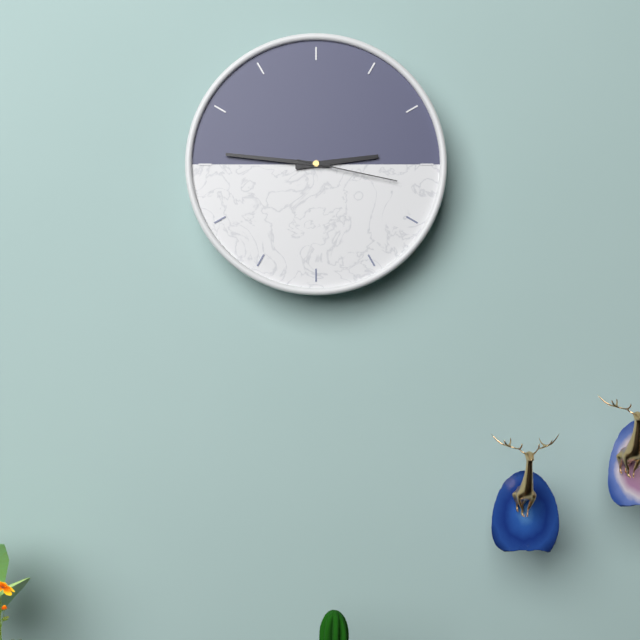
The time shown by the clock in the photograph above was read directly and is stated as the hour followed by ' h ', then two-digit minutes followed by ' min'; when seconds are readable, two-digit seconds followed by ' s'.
2 h 46 min 17 s
